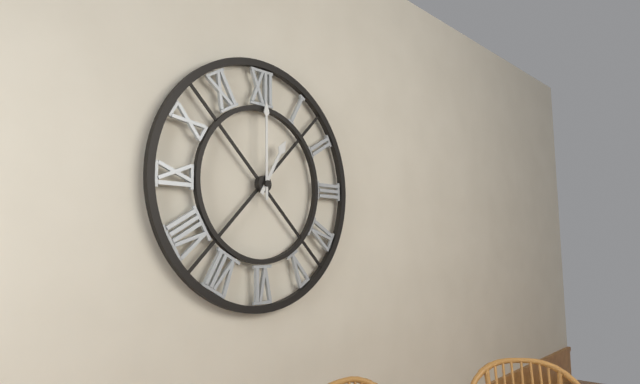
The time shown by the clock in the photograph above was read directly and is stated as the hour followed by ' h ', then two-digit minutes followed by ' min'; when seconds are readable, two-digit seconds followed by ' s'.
1 h 00 min
